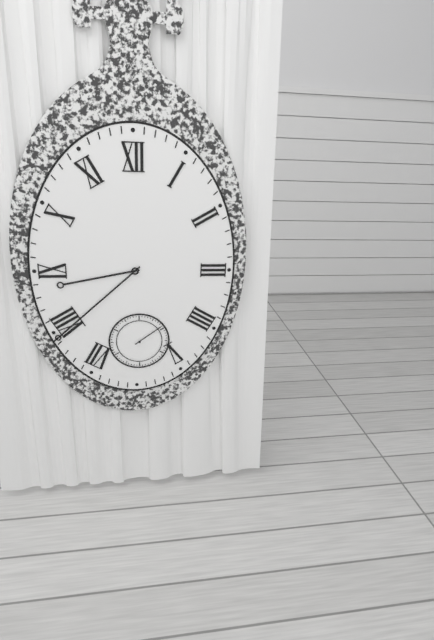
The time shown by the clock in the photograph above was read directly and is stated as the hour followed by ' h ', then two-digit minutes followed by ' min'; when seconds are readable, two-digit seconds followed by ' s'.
8 h 38 min
